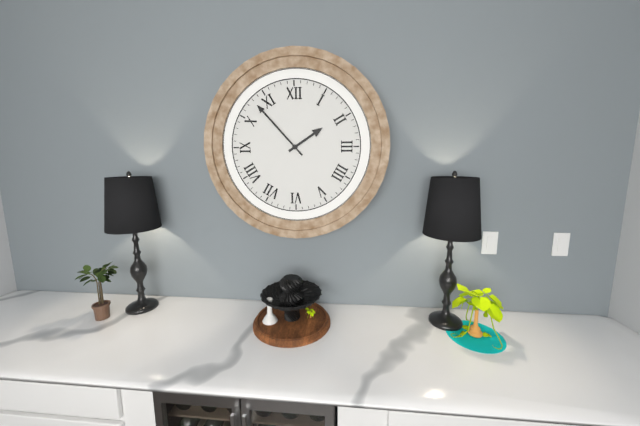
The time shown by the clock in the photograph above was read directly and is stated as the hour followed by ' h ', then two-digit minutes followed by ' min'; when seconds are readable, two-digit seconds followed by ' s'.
1 h 53 min
